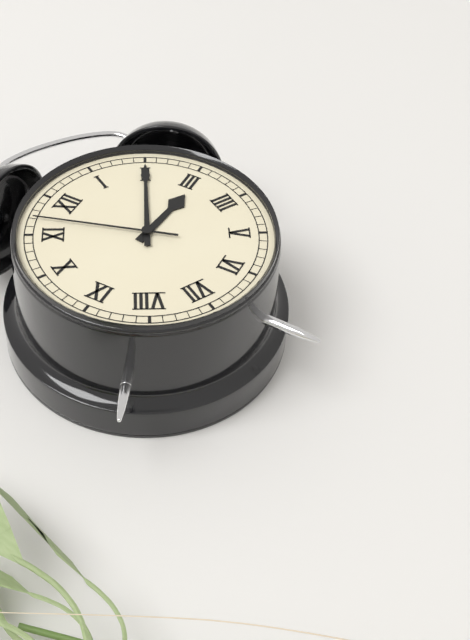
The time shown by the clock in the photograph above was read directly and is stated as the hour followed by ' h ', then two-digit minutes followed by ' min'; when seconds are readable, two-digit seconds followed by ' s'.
3 h 10 min 57 s
